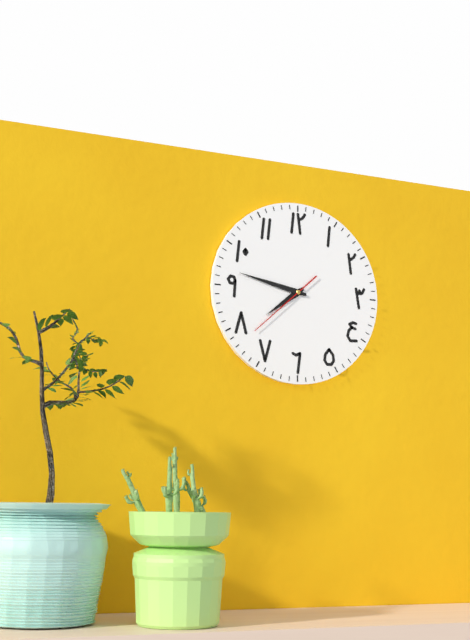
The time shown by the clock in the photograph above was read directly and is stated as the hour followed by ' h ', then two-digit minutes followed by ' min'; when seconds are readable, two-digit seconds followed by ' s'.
7 h 47 min 38 s
